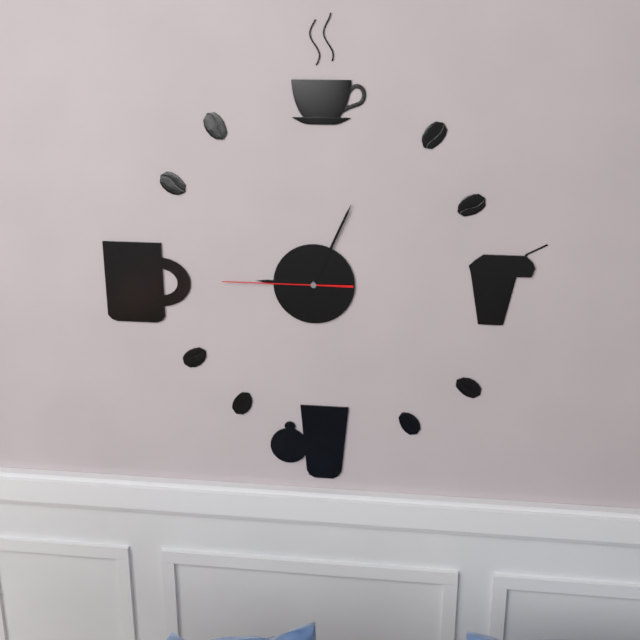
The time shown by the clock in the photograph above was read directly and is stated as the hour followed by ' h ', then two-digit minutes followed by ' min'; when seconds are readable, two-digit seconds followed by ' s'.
9 h 04 min 45 s
